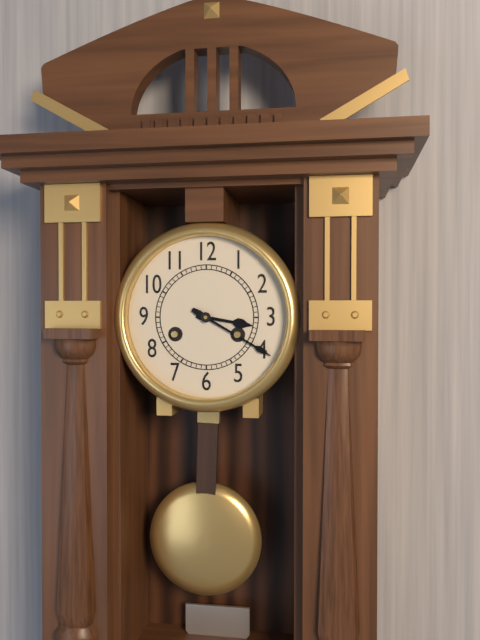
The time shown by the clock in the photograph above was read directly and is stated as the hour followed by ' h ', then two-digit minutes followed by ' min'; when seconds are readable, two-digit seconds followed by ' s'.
3 h 20 min
